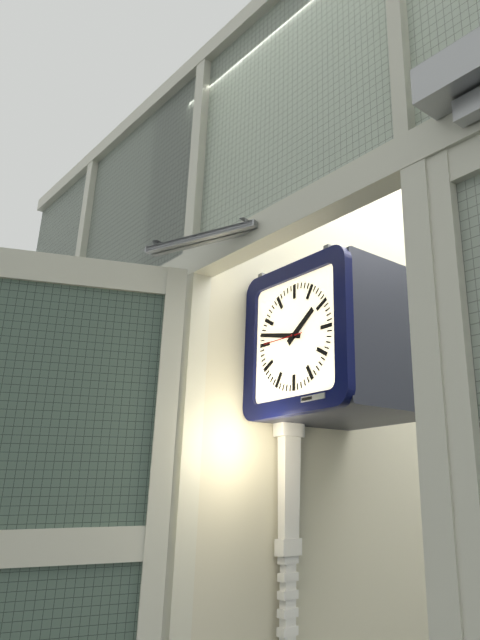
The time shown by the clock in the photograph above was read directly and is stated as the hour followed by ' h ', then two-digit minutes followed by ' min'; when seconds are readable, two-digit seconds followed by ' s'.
1 h 47 min
